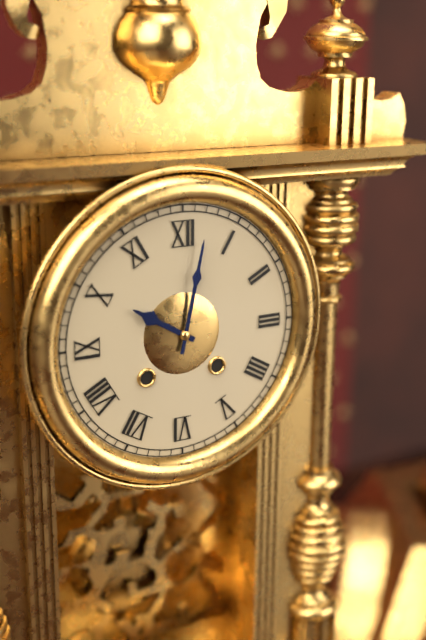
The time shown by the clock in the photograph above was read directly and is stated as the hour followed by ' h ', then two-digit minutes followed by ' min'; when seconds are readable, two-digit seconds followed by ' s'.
10 h 02 min
